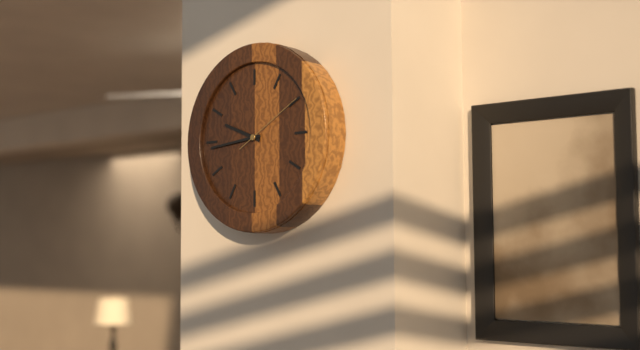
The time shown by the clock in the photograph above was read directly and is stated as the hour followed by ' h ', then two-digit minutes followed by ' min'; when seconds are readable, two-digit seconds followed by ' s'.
9 h 44 min 10 s
